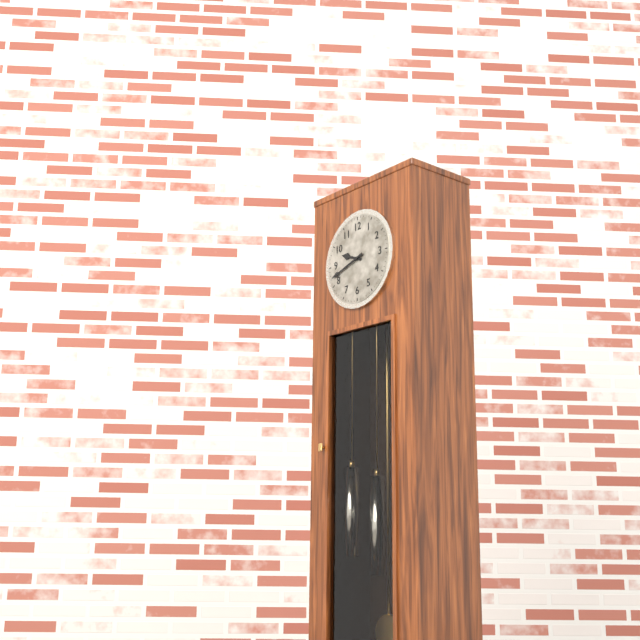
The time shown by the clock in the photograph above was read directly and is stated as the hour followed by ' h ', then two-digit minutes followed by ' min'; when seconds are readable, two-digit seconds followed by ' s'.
9 h 42 min
